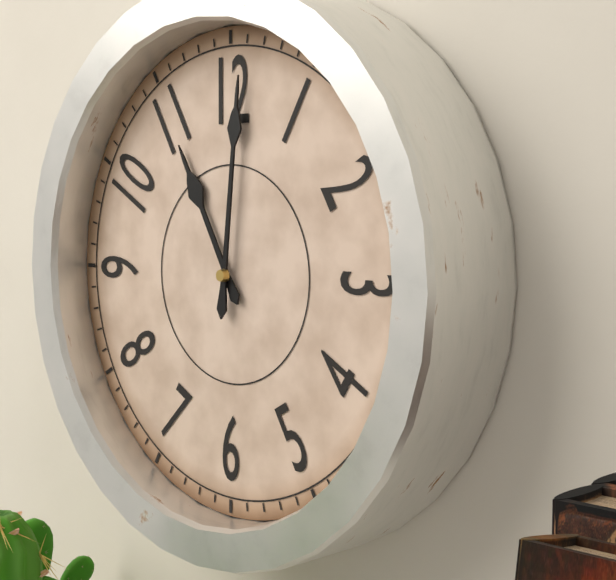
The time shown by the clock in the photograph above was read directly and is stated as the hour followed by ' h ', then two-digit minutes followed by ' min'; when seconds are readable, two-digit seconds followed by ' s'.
11 h 01 min
